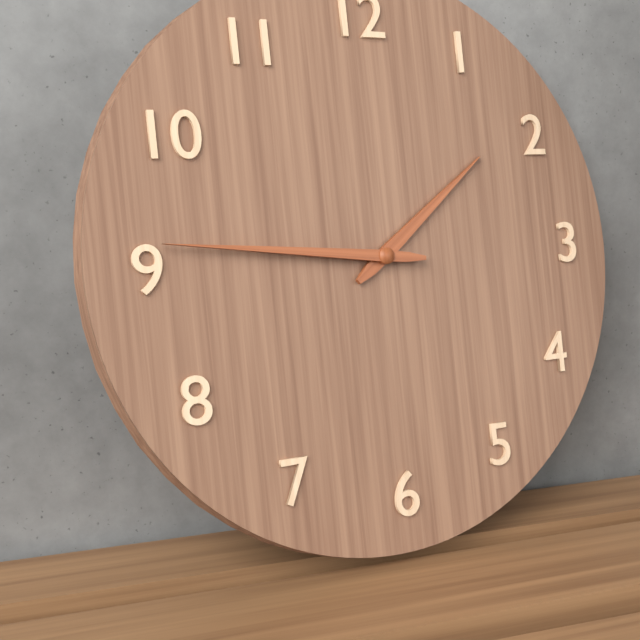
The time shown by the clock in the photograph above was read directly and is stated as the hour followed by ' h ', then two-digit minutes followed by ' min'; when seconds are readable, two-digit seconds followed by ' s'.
1 h 46 min
